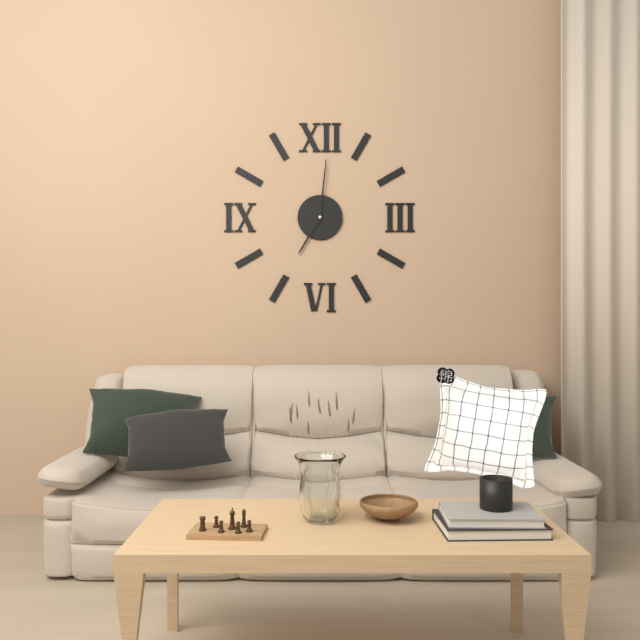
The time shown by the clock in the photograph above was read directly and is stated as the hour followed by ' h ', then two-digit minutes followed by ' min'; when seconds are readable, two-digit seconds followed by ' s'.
7 h 01 min
